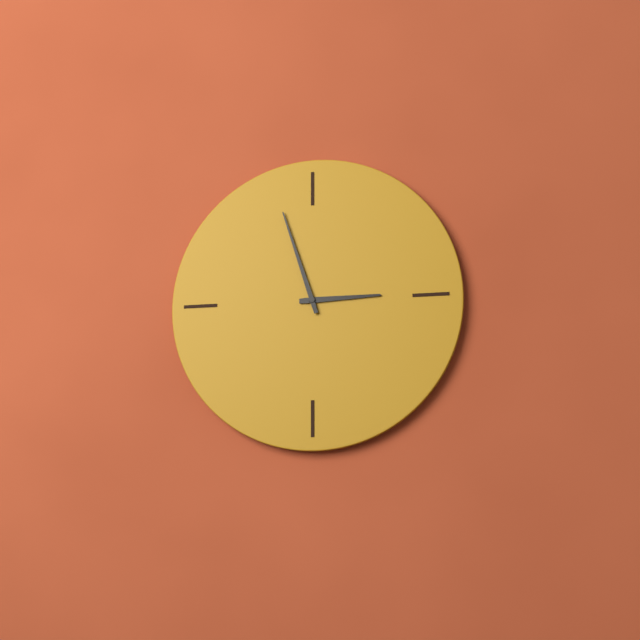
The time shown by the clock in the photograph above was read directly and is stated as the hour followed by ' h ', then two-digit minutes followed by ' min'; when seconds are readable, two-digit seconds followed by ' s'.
2 h 57 min
